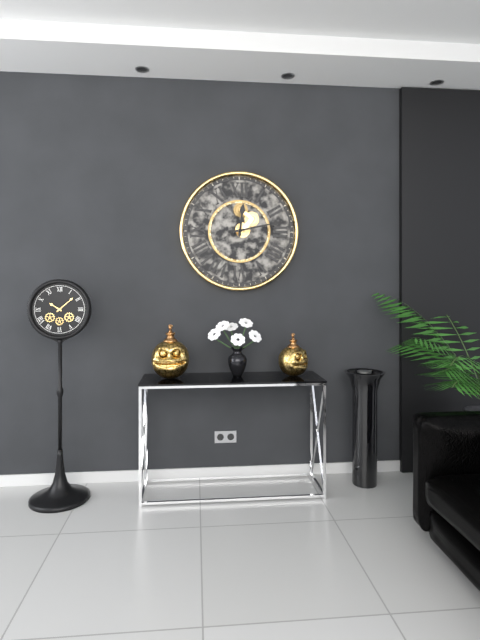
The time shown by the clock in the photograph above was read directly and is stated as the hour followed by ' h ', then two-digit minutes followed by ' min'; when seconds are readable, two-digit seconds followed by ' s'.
12 h 13 min
